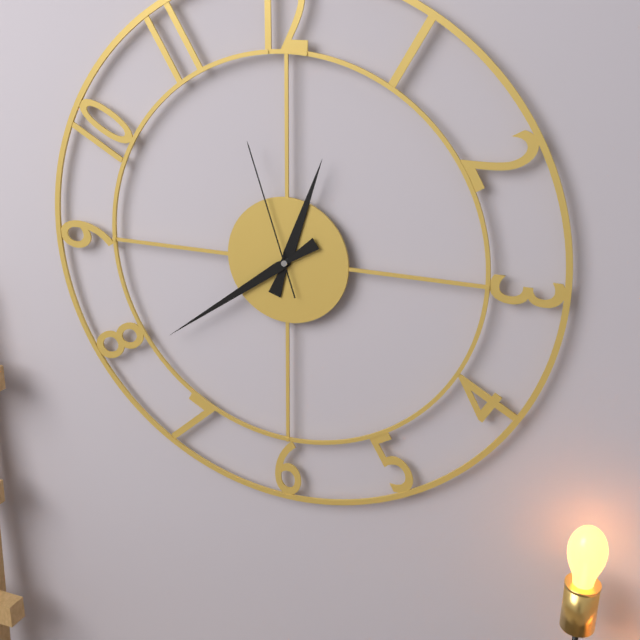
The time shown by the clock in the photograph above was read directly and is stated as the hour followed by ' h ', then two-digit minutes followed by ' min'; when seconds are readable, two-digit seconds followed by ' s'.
12 h 39 min 57 s
